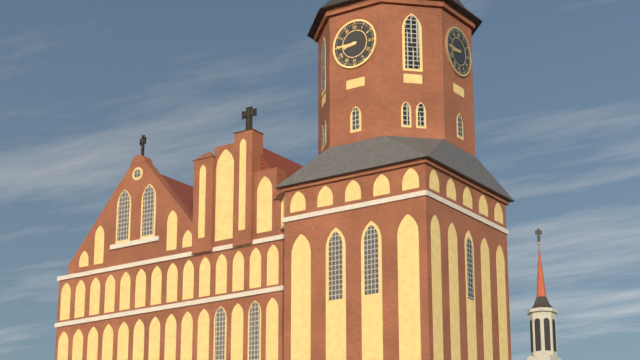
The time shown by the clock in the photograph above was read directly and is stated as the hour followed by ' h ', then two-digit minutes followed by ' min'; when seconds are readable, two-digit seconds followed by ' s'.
8 h 45 min
